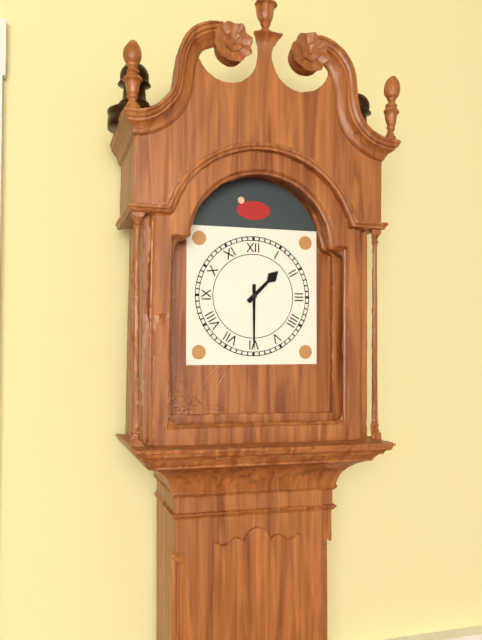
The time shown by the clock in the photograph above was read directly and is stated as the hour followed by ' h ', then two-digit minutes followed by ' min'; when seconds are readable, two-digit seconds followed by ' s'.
1 h 30 min
